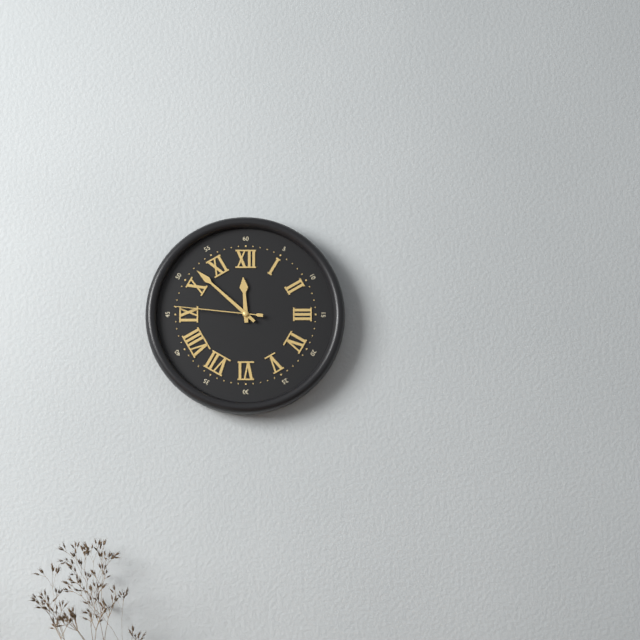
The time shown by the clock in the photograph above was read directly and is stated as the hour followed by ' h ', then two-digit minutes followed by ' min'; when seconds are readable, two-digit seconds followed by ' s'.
11 h 52 min 46 s
